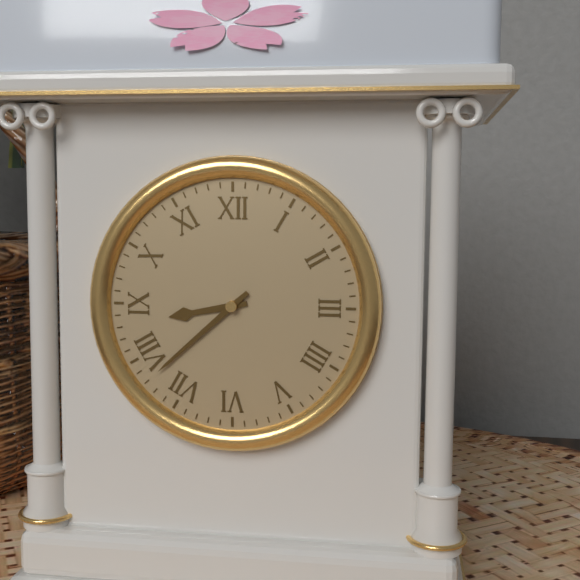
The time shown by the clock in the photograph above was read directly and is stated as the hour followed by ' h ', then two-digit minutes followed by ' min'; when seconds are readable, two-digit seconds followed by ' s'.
8 h 38 min
